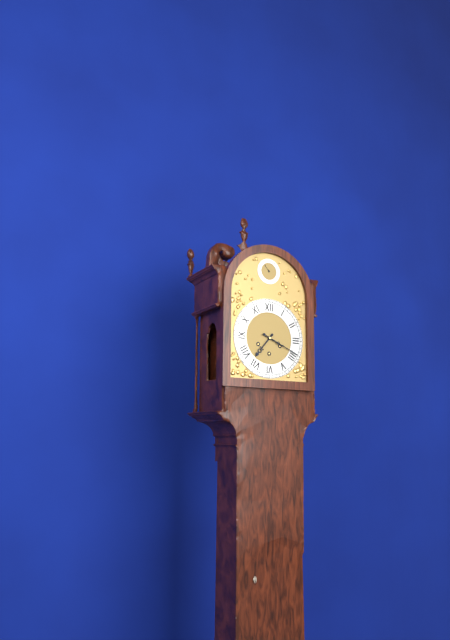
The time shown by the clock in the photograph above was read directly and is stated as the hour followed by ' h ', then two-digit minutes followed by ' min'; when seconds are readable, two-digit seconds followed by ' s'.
7 h 19 min
